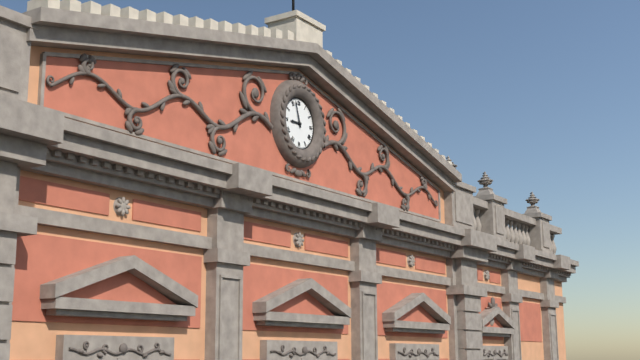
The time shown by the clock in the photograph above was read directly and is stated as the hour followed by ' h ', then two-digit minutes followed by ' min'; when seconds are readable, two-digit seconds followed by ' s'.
8 h 57 min
